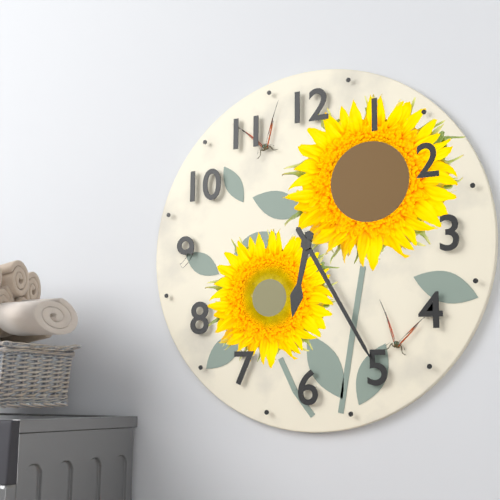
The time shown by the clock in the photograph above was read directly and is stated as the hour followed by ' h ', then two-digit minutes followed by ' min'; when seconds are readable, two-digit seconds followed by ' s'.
6 h 25 min
